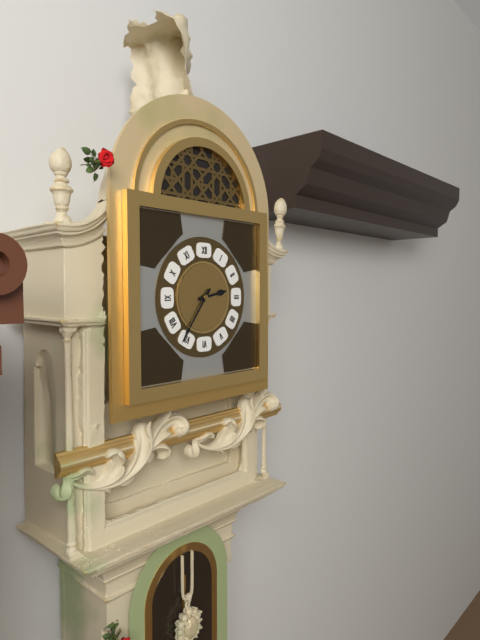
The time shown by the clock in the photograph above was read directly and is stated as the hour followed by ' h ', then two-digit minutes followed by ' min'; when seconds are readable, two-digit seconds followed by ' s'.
2 h 36 min
